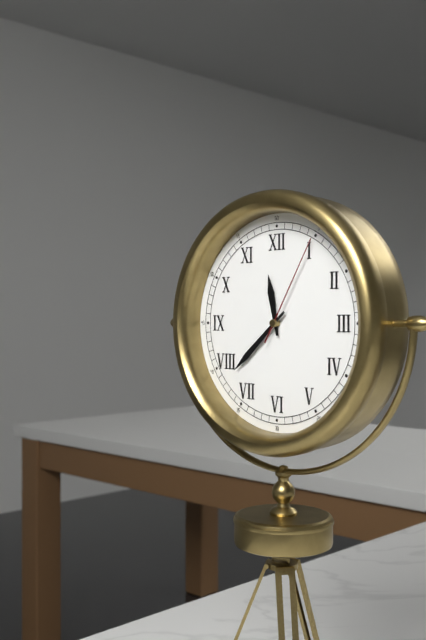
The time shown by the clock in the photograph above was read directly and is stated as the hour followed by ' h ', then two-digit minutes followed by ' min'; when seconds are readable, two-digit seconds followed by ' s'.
11 h 38 min 05 s
